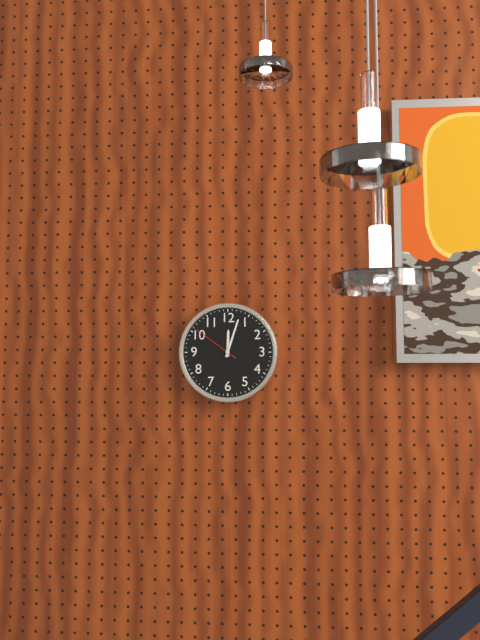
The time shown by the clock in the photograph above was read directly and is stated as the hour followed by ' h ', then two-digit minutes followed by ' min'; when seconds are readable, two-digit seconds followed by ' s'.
12 h 03 min
